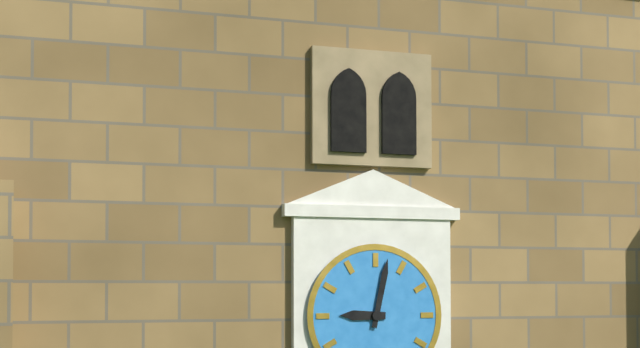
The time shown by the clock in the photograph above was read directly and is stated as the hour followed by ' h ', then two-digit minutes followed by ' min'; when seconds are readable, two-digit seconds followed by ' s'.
9 h 02 min
